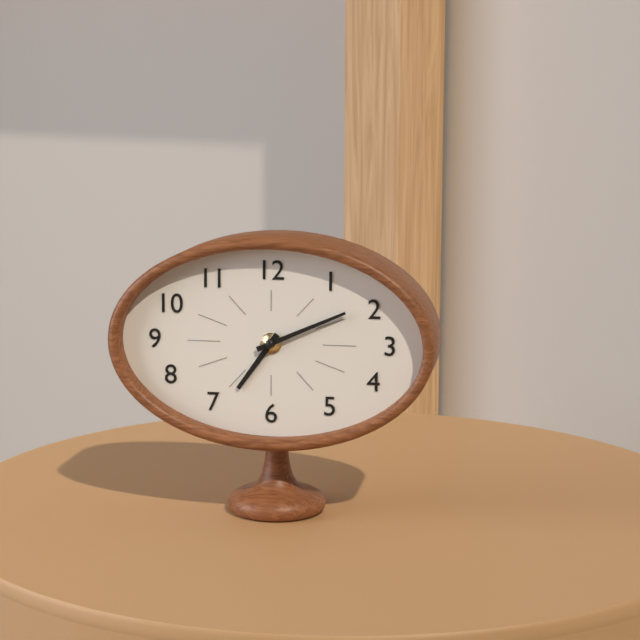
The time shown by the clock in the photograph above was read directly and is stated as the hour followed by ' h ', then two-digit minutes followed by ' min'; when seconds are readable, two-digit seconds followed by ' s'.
7 h 11 min
